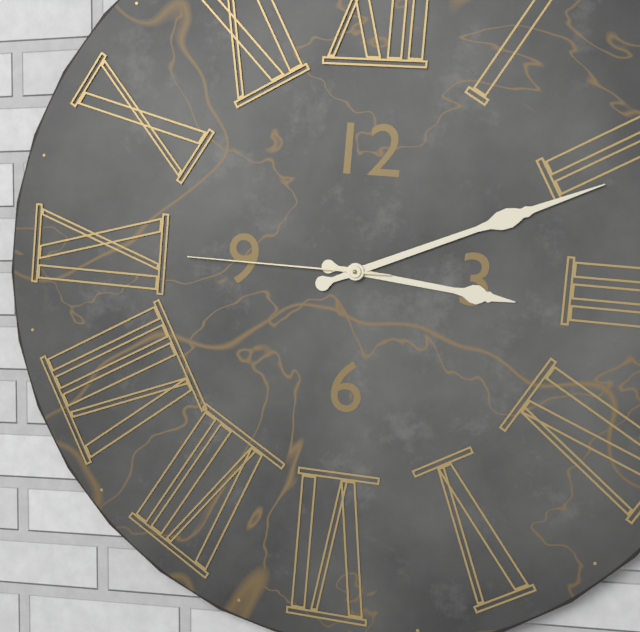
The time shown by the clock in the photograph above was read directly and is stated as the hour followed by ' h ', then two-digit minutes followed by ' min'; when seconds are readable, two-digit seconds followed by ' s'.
3 h 11 min 45 s
